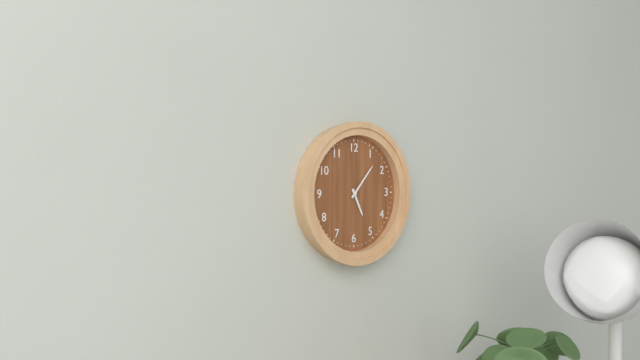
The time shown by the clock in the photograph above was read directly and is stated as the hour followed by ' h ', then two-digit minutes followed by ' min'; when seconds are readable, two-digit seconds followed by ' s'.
5 h 07 min
